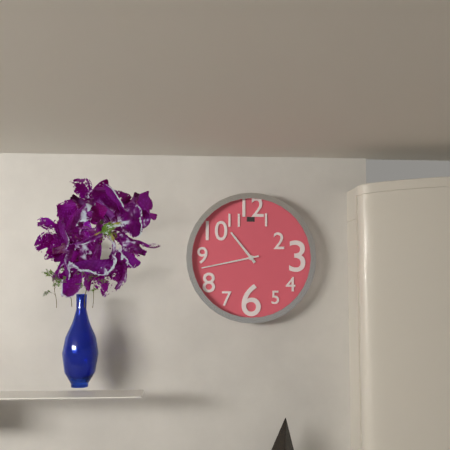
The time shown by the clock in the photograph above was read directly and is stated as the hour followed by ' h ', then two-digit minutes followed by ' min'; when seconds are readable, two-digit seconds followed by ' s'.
10 h 43 min
